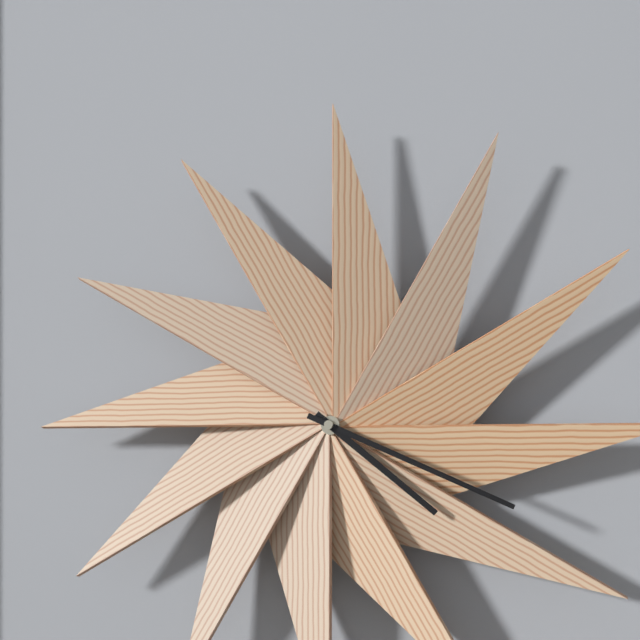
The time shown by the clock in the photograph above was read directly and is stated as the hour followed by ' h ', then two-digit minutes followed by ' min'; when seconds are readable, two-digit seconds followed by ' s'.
4 h 19 min
